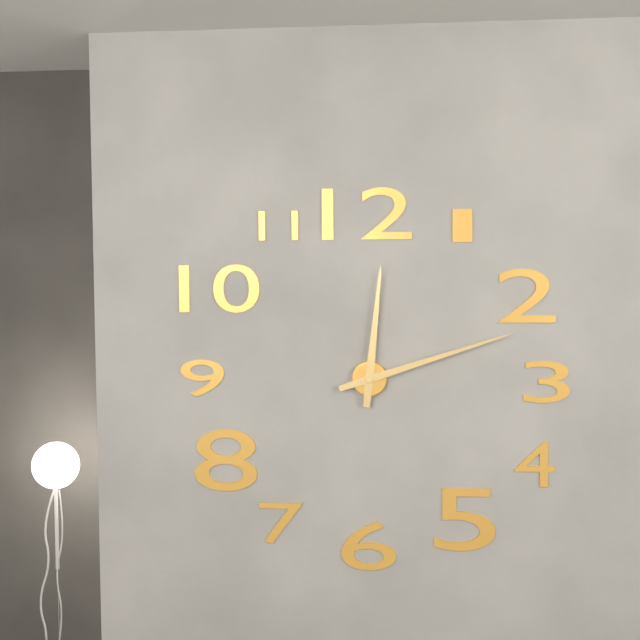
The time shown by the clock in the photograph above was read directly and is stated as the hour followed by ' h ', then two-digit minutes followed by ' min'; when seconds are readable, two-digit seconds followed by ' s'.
12 h 12 min
